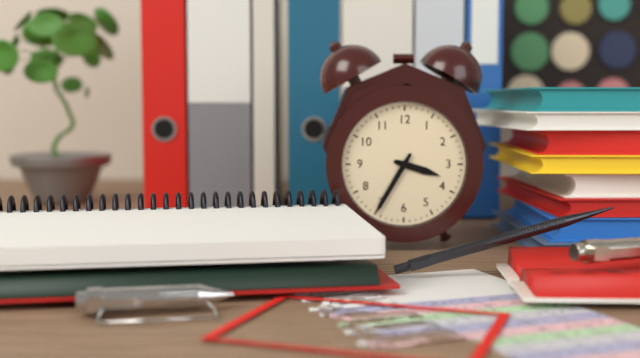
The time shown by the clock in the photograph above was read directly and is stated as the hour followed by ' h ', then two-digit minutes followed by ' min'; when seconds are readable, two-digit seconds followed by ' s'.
3 h 35 min
